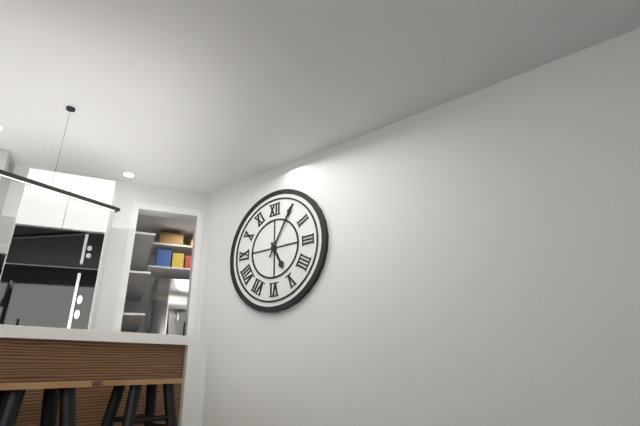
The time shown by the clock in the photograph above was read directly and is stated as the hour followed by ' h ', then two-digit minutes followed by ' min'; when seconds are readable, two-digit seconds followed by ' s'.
5 h 05 min
